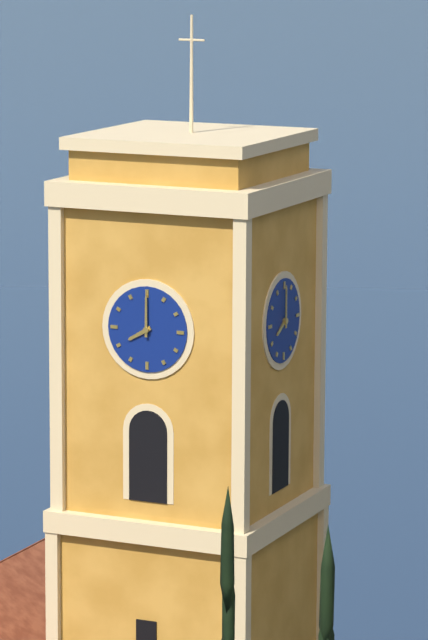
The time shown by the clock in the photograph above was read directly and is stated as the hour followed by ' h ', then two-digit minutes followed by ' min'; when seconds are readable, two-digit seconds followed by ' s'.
8 h 00 min
